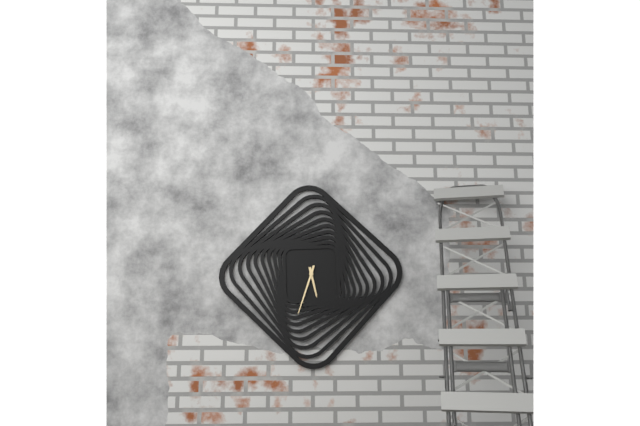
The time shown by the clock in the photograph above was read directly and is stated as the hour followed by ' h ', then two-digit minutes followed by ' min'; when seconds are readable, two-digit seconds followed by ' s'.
5 h 33 min
